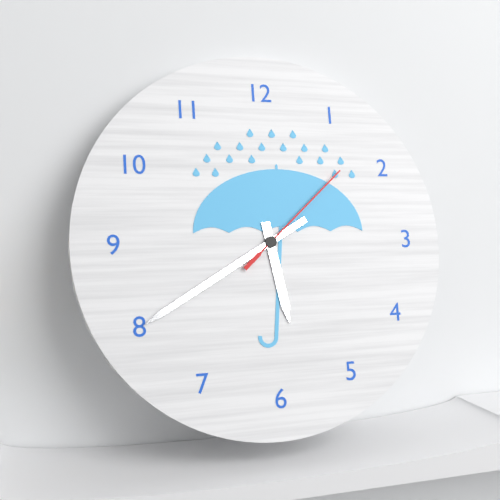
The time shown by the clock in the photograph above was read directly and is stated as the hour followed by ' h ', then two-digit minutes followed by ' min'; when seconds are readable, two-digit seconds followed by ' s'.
5 h 40 min 08 s
